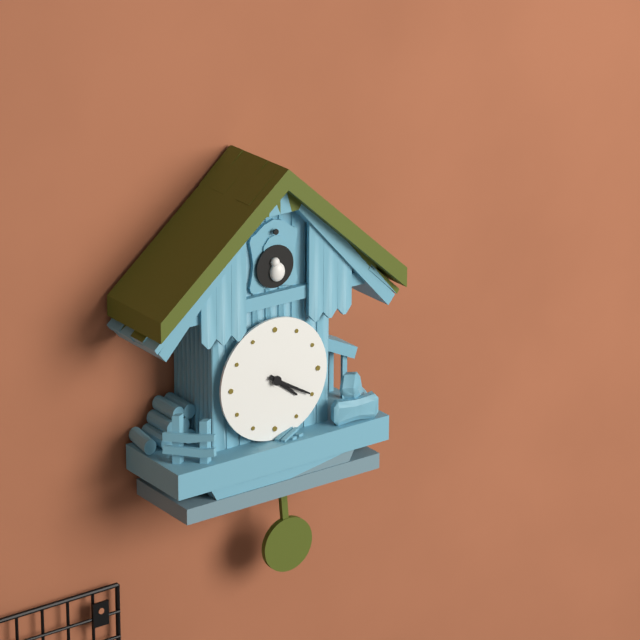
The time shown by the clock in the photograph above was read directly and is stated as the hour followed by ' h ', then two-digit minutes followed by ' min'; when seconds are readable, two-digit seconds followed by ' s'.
4 h 20 min
